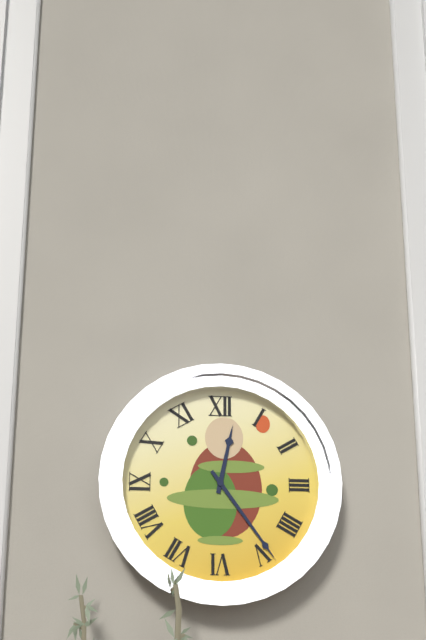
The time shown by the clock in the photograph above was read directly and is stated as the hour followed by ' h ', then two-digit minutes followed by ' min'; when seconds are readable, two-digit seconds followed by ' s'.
12 h 24 min
